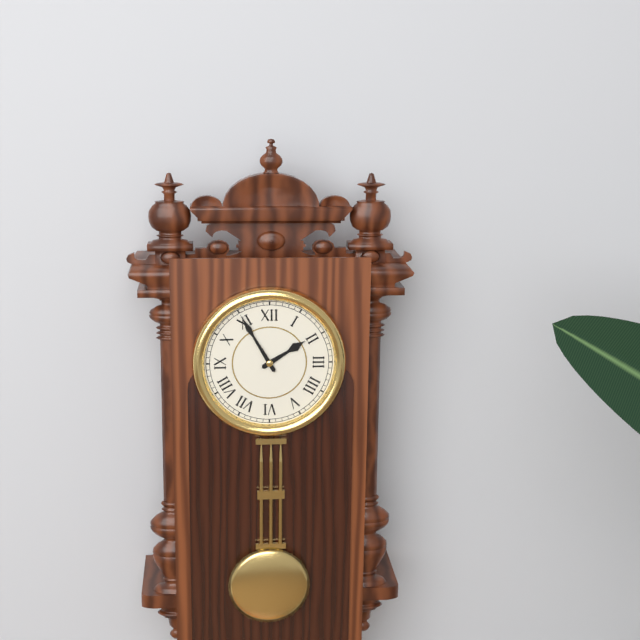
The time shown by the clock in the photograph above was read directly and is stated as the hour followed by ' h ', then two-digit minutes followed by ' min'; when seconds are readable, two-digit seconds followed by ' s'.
1 h 55 min
